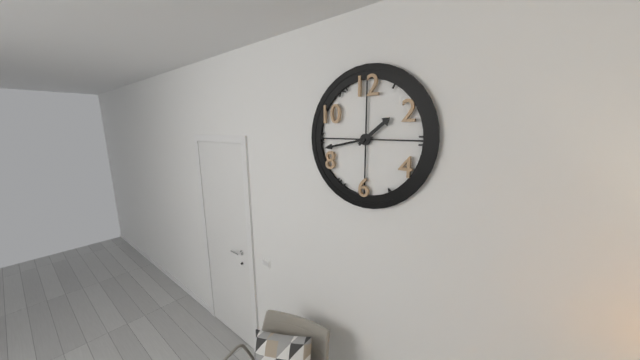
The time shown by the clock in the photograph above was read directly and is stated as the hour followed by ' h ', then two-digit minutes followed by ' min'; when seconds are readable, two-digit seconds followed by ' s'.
1 h 43 min
